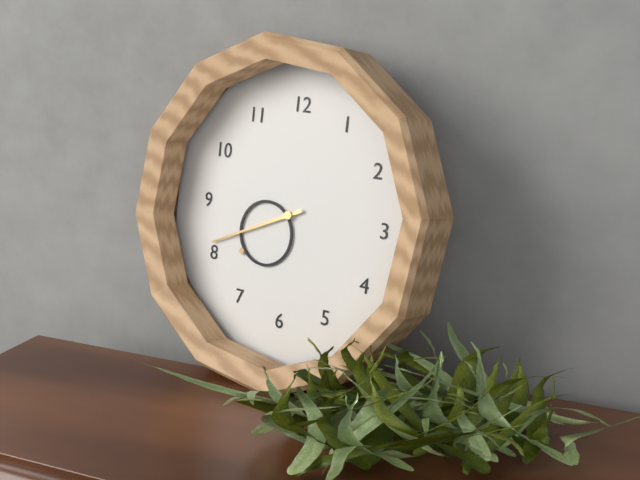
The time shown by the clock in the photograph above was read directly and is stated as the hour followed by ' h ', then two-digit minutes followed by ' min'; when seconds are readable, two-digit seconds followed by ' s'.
7 h 41 min
